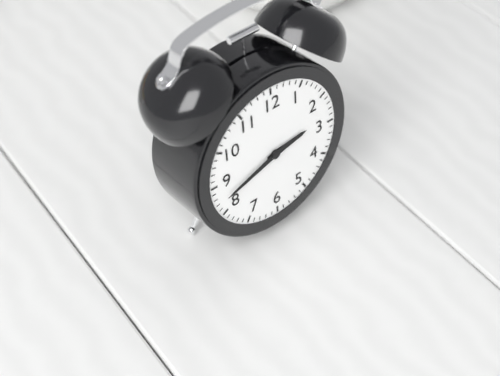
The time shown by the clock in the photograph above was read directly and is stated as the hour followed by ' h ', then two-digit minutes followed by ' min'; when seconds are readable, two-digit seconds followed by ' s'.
2 h 42 min
